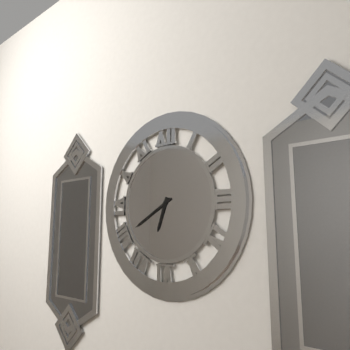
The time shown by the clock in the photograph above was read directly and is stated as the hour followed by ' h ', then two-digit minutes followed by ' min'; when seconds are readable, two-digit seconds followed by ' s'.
6 h 40 min
